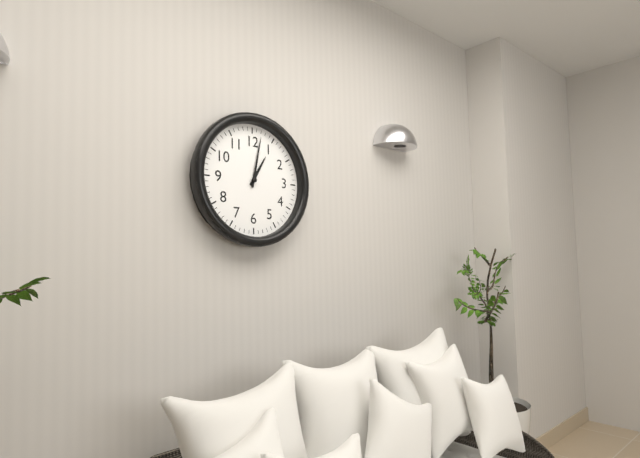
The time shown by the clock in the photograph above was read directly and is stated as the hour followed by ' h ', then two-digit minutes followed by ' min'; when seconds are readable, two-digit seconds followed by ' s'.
1 h 02 min
